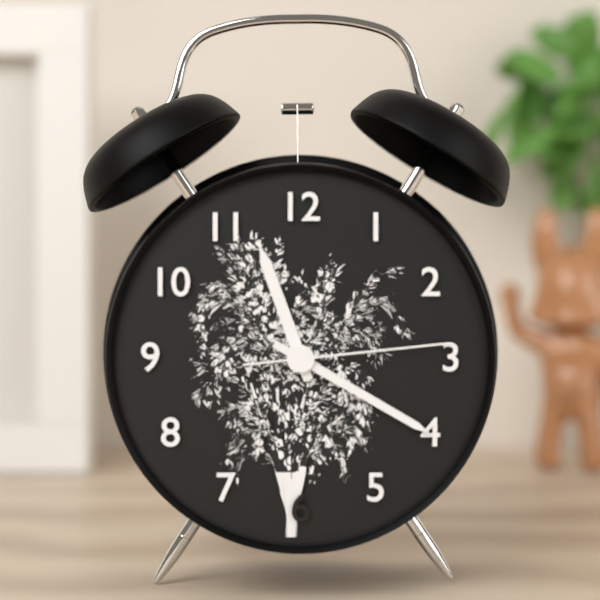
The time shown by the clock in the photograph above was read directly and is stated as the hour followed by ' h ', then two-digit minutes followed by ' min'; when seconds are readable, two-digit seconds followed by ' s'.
11 h 20 min 14 s
